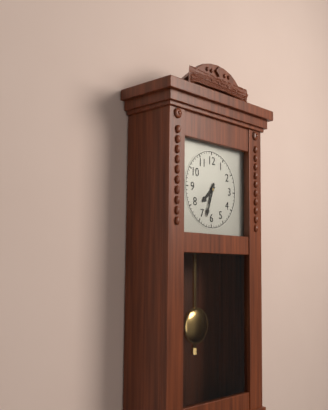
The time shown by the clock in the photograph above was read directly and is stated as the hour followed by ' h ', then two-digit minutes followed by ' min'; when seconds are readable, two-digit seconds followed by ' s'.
7 h 33 min
